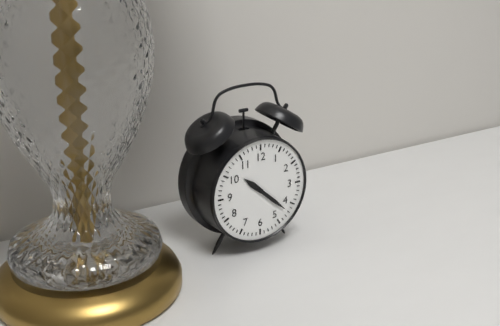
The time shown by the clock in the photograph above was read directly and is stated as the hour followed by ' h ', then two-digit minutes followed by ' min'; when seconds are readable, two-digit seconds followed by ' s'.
10 h 22 min
